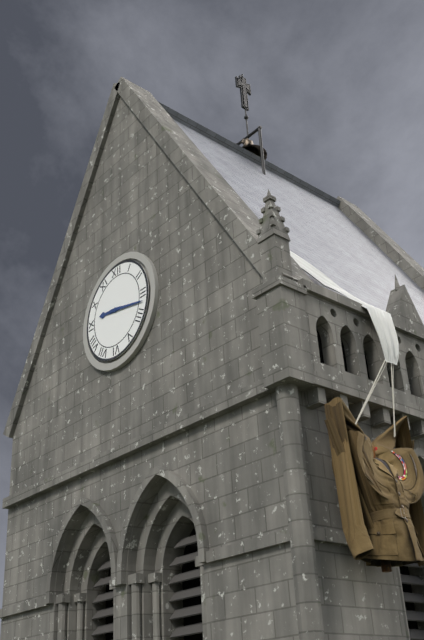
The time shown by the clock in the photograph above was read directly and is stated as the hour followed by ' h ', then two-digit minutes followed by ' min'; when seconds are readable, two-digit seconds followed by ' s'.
9 h 17 min
